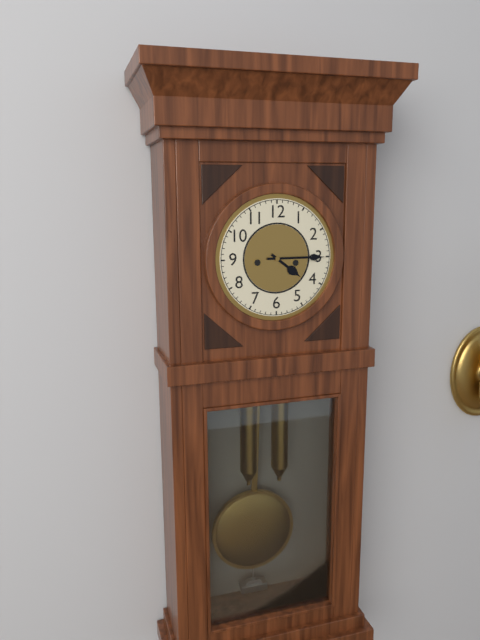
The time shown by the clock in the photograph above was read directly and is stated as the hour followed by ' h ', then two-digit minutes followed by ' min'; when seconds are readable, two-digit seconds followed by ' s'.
4 h 15 min
